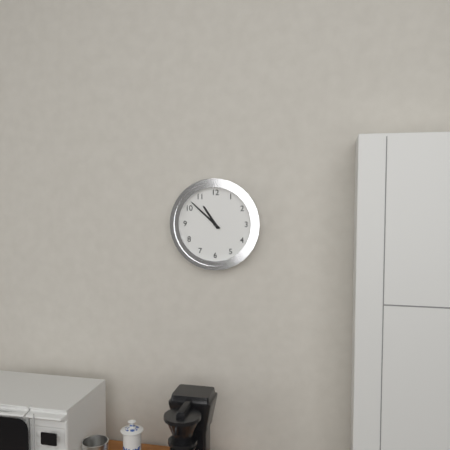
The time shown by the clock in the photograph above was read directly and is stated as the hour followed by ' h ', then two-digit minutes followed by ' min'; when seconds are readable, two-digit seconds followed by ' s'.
10 h 52 min
